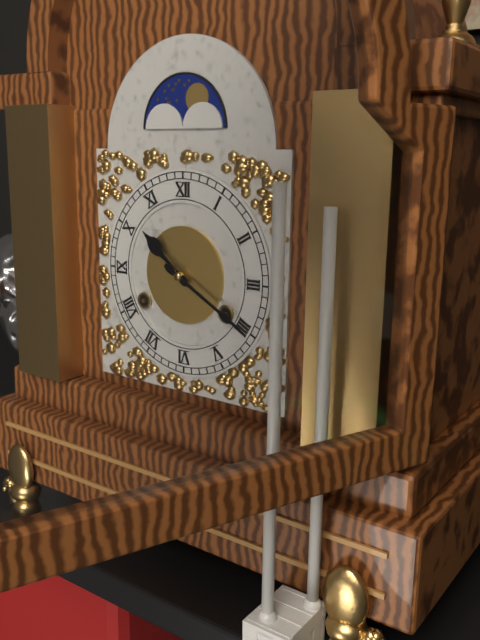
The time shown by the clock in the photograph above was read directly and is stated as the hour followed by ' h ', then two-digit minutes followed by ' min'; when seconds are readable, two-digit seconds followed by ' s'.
10 h 20 min
